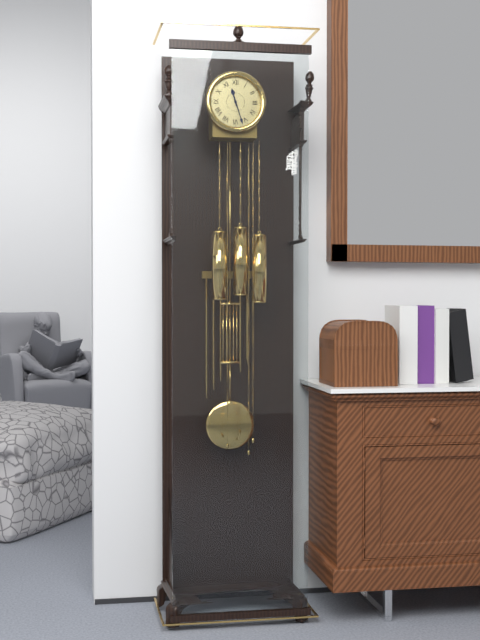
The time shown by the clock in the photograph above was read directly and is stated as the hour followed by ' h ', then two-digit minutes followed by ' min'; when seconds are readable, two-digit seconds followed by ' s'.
11 h 27 min
